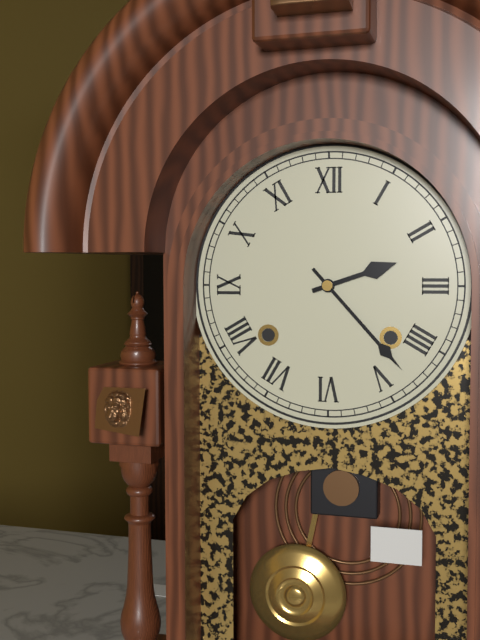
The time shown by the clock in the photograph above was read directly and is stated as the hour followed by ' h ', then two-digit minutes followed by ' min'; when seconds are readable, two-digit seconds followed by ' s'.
2 h 23 min
